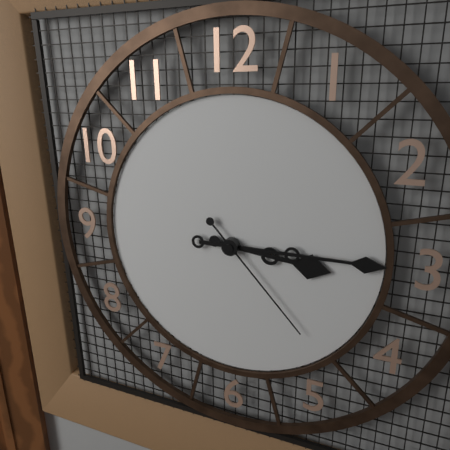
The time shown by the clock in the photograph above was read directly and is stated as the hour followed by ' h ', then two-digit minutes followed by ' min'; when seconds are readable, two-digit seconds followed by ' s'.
3 h 15 min 23 s
